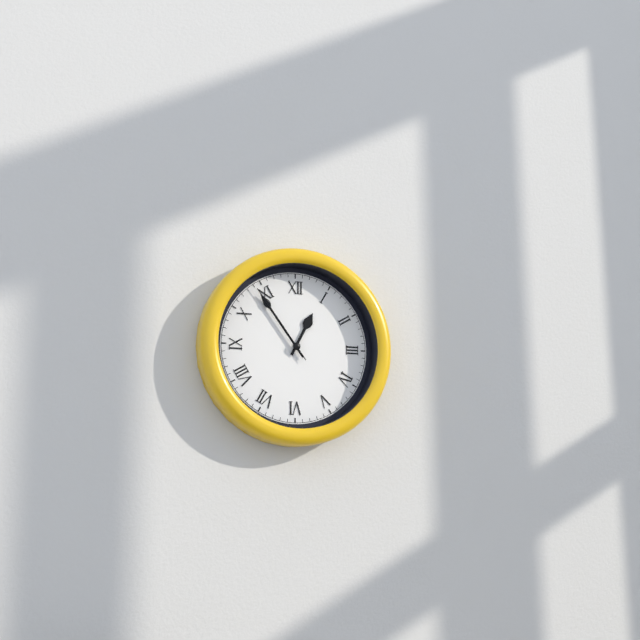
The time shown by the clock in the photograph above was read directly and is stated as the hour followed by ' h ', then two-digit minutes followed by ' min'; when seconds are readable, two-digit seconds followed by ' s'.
12 h 54 min 54 s
